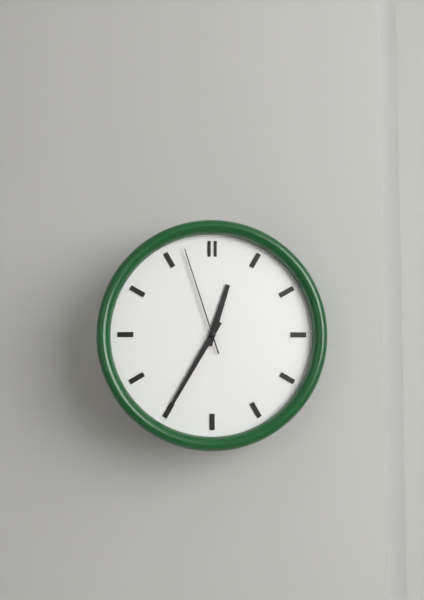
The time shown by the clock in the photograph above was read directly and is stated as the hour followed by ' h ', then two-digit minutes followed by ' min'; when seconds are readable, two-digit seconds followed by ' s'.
12 h 35 min 57 s
